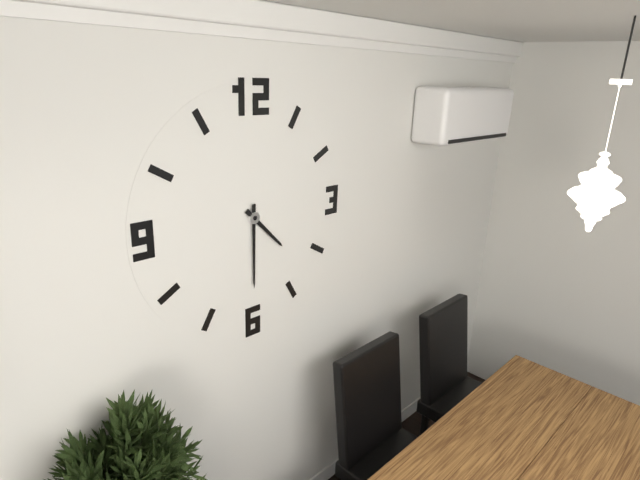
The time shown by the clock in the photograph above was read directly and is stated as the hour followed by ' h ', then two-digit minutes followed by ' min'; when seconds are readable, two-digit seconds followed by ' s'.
4 h 30 min
